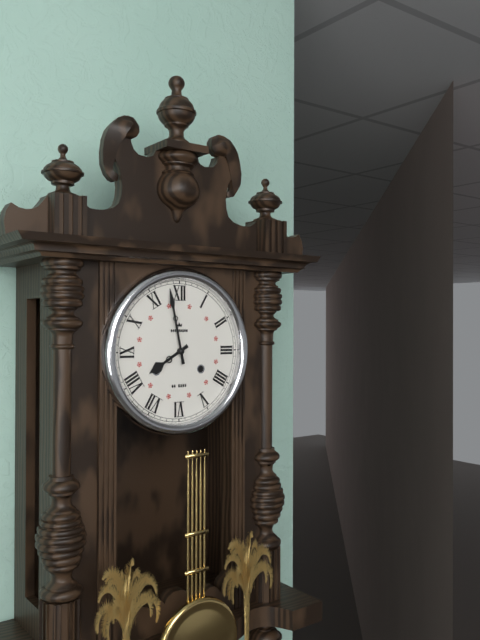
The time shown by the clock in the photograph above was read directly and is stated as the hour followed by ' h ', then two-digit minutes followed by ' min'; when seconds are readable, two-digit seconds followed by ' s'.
7 h 58 min
